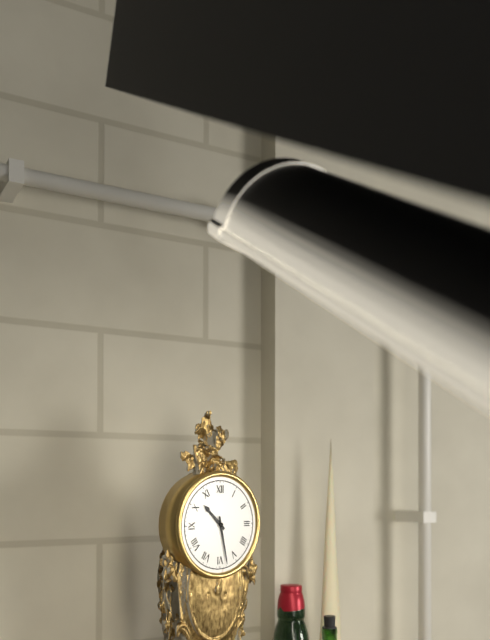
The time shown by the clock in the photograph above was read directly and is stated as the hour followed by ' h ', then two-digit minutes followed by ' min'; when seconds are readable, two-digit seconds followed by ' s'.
10 h 28 min
